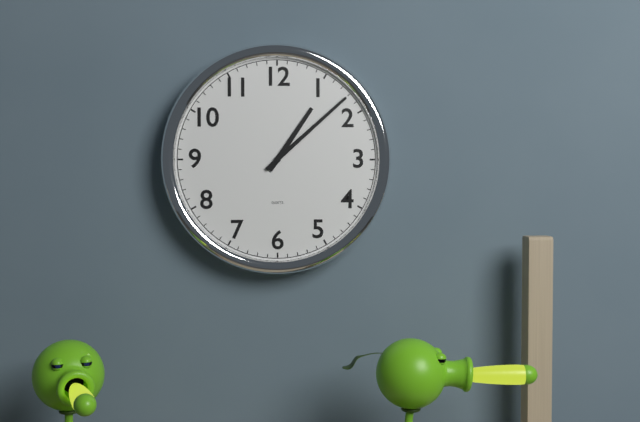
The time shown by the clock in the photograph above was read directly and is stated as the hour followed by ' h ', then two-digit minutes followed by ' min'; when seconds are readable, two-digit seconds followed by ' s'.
1 h 08 min
